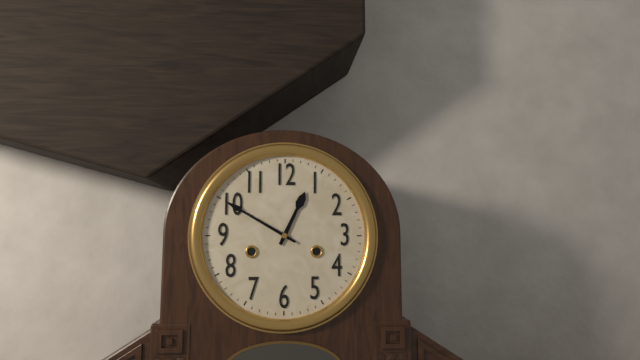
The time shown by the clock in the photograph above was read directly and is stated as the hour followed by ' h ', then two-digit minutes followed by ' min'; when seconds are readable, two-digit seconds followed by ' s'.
12 h 50 min
